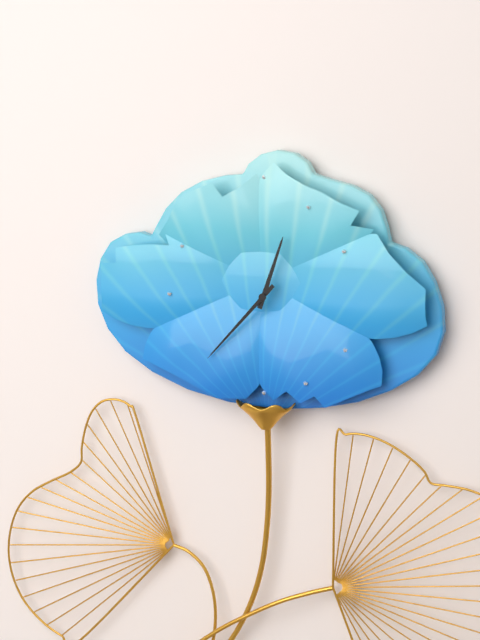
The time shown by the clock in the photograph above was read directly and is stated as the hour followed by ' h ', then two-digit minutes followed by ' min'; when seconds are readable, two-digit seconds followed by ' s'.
12 h 37 min
